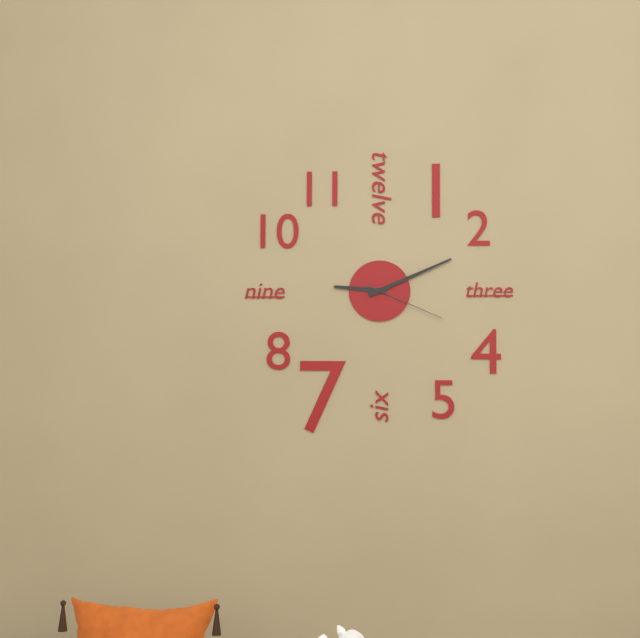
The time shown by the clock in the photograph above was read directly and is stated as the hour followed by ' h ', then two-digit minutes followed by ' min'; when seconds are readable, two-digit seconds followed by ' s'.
9 h 11 min 19 s
